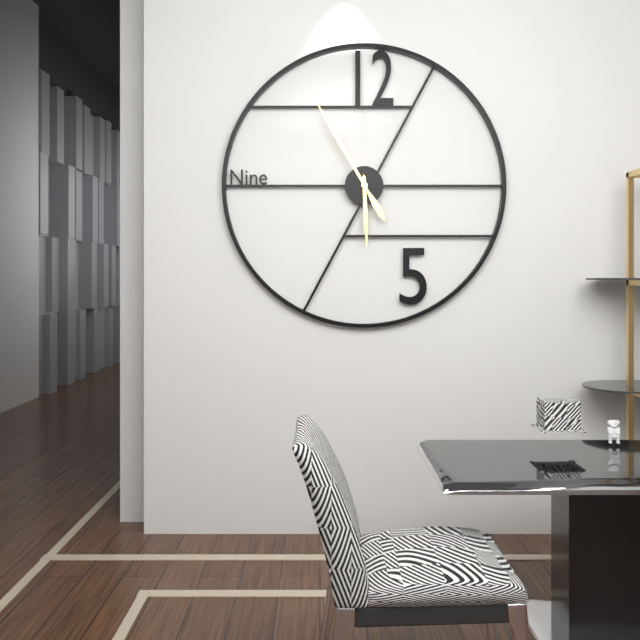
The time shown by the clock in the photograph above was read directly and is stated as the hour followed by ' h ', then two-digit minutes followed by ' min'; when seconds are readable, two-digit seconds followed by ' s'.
5 h 55 min
